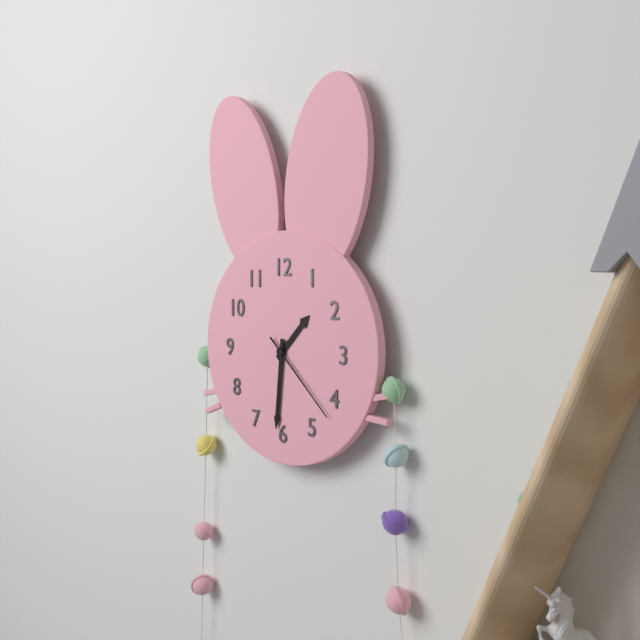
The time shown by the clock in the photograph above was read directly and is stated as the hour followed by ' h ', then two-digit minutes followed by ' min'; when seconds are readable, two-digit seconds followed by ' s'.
1 h 31 min 22 s
